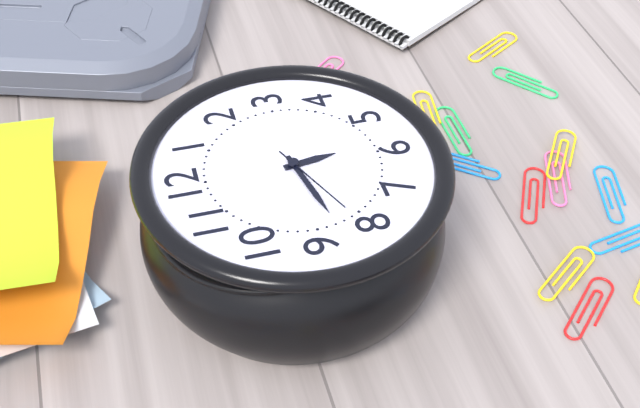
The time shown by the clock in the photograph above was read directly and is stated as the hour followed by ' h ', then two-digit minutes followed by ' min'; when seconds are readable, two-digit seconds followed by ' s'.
5 h 43 min 41 s
